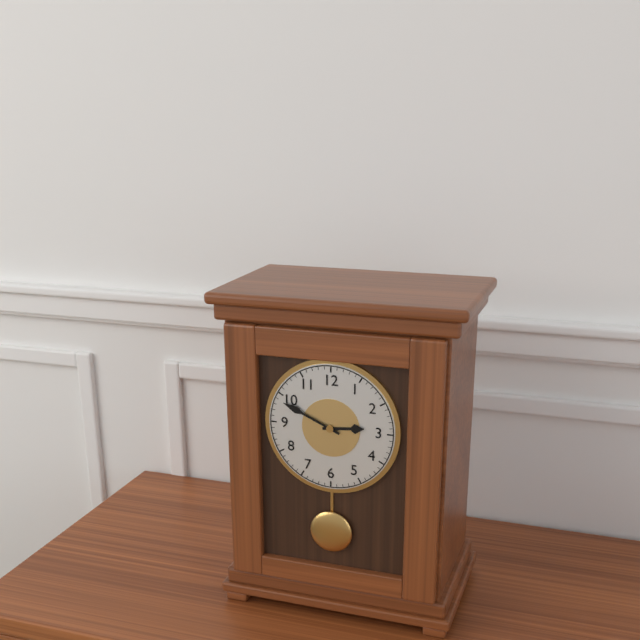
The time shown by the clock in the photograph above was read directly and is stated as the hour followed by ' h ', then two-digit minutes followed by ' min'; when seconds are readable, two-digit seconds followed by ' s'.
2 h 49 min
